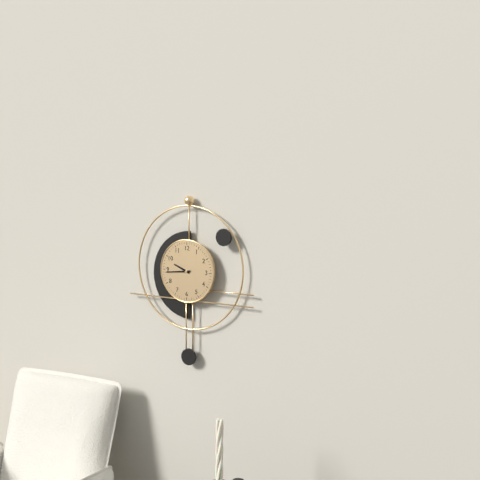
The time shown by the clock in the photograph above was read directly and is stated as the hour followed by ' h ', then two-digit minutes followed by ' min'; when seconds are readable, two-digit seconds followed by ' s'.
9 h 44 min
